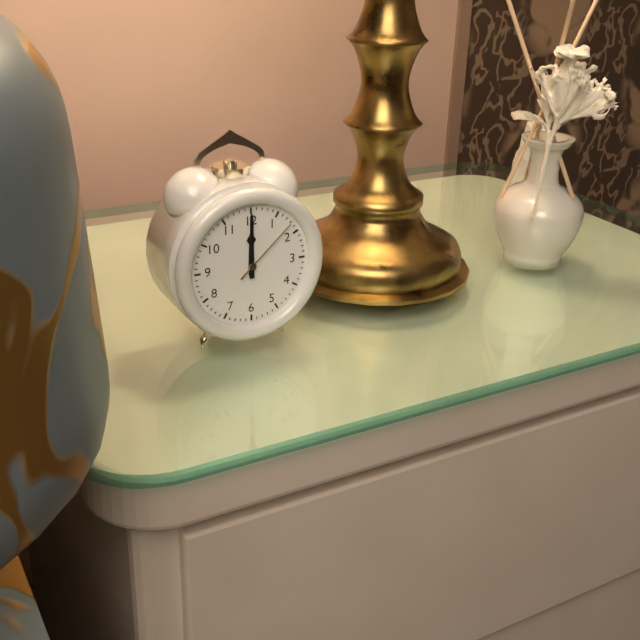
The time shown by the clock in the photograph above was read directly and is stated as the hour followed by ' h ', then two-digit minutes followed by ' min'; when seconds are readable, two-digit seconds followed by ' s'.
12 h 00 min 08 s
